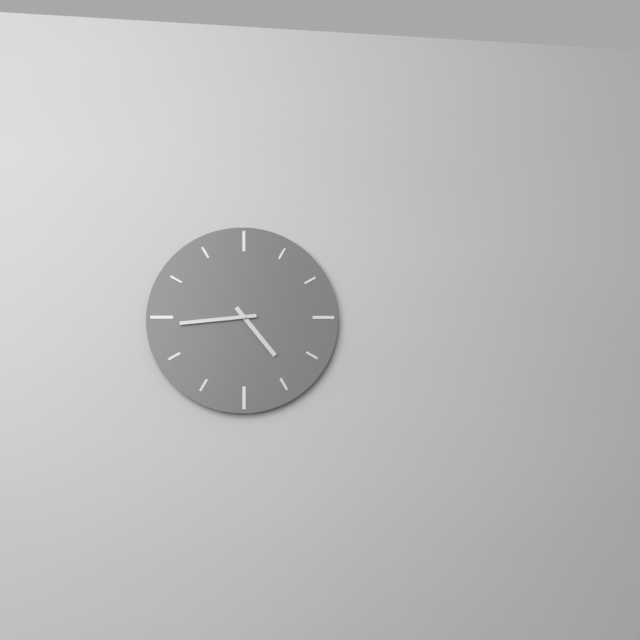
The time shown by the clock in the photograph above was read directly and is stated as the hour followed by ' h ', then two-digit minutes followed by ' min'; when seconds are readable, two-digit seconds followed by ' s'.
4 h 44 min
